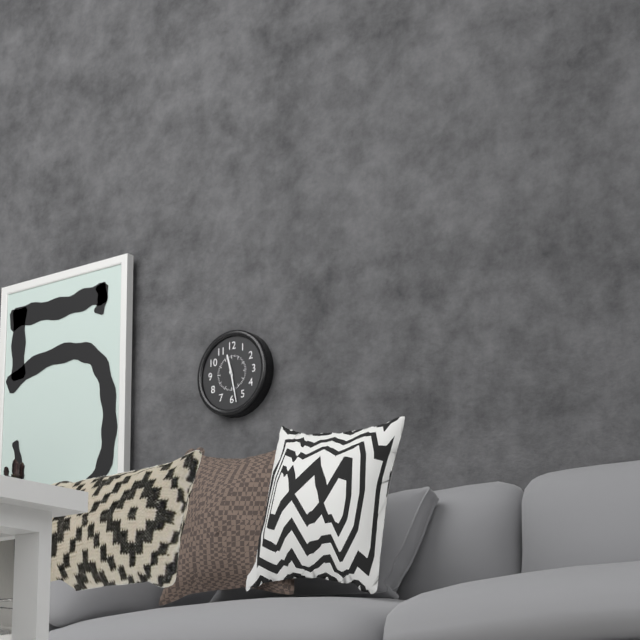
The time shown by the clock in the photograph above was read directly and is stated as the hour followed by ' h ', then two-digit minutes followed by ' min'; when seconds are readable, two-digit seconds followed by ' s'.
11 h 28 min
